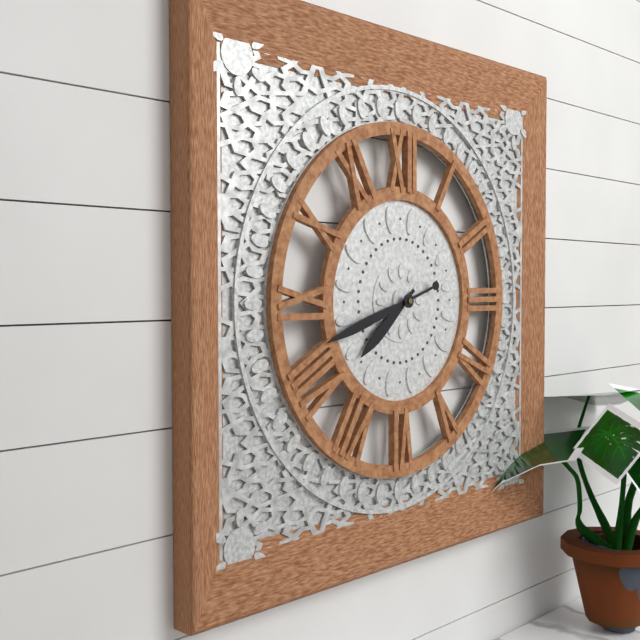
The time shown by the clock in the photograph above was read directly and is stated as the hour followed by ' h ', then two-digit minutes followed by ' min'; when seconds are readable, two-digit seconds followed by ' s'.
7 h 42 min
